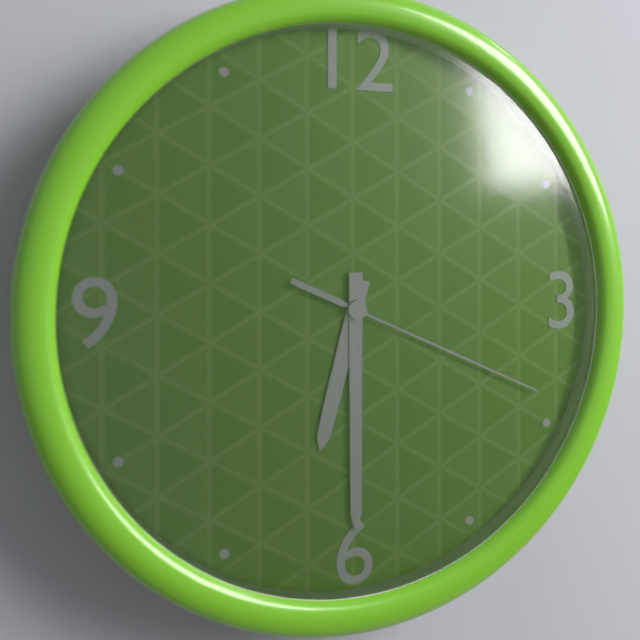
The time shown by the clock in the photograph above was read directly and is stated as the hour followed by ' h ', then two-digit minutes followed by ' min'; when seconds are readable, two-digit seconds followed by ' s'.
6 h 30 min 19 s
